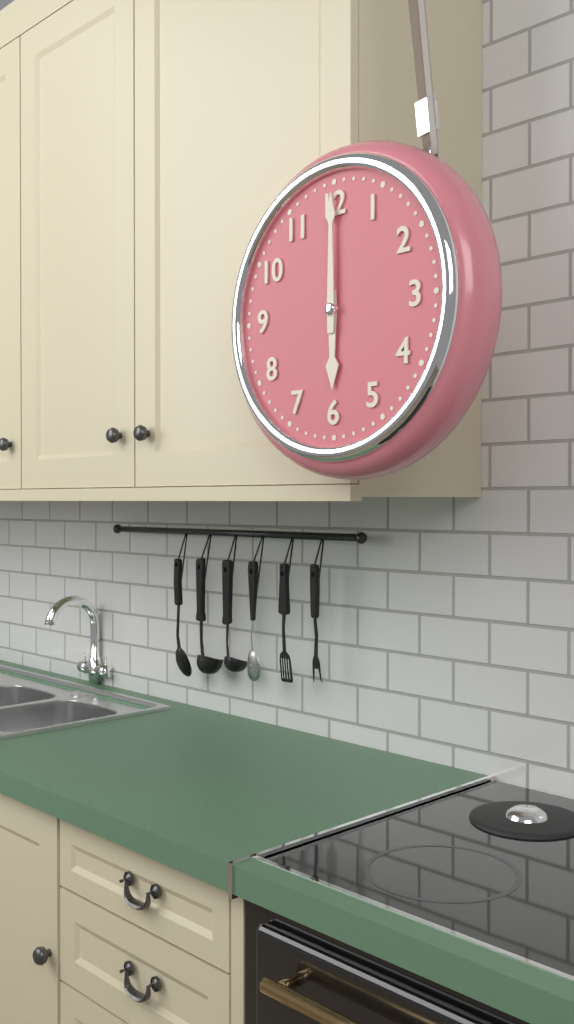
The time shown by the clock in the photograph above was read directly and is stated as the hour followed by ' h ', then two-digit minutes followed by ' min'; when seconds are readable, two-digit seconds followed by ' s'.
6 h 00 min
